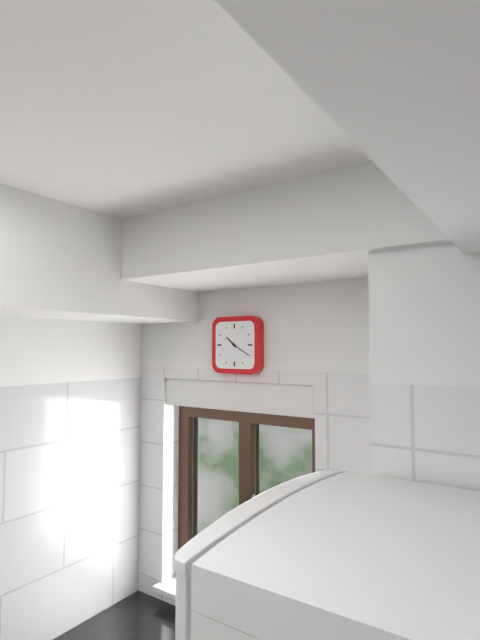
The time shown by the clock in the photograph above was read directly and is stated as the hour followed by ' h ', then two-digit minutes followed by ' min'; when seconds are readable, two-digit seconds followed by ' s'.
10 h 20 min
